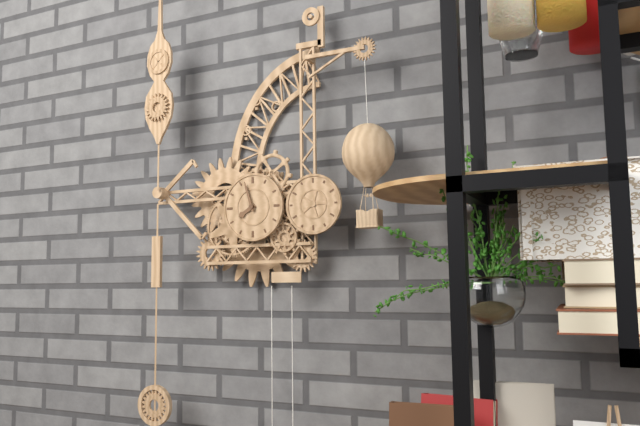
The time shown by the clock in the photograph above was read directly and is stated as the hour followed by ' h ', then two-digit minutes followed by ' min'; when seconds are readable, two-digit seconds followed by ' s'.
7 h 57 min
